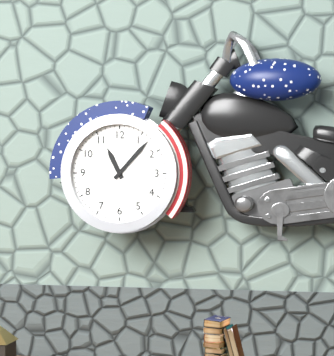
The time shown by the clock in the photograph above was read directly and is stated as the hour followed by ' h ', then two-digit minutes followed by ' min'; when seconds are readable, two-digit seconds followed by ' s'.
11 h 07 min
